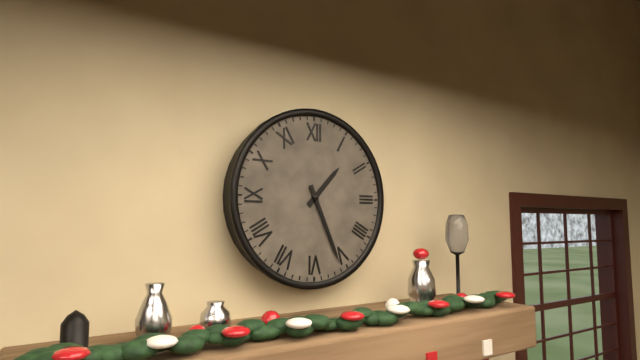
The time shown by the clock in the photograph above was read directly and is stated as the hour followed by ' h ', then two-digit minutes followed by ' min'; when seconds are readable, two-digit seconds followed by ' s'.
1 h 26 min
